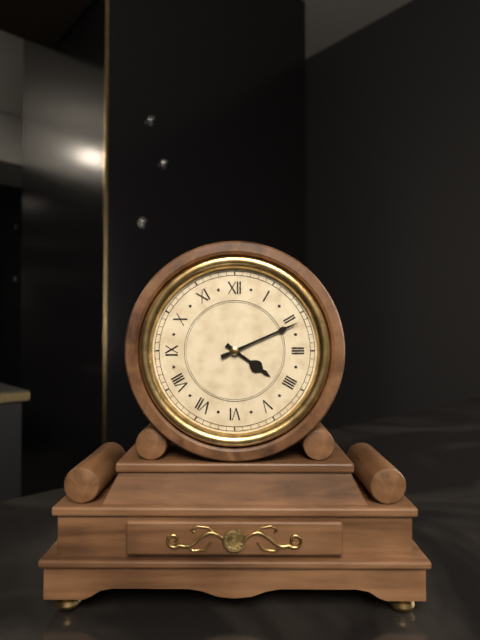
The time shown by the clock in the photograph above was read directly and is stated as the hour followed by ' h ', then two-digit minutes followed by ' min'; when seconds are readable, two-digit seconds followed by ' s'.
4 h 11 min
